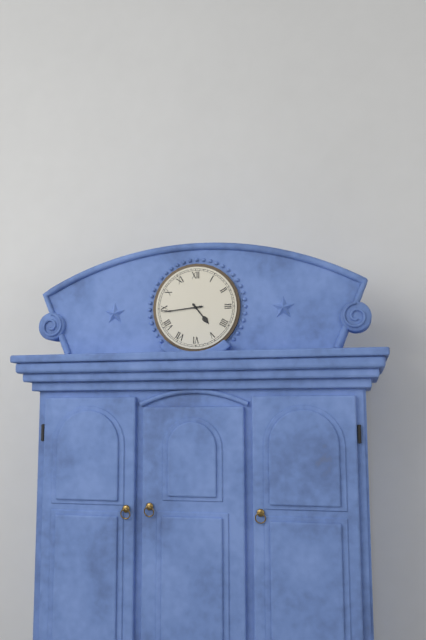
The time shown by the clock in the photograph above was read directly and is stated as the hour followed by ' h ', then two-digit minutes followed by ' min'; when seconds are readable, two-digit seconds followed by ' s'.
4 h 44 min
